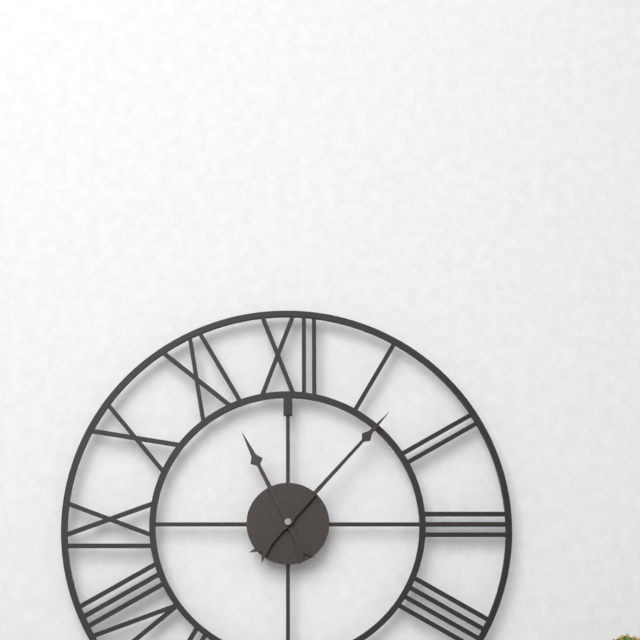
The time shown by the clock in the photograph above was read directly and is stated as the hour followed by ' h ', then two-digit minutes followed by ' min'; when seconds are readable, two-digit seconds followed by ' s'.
11 h 07 min
